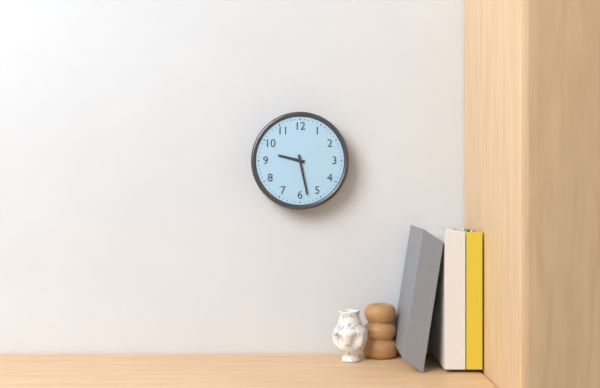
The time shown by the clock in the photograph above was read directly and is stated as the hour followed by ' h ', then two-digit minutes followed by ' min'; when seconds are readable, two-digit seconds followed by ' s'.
9 h 28 min
